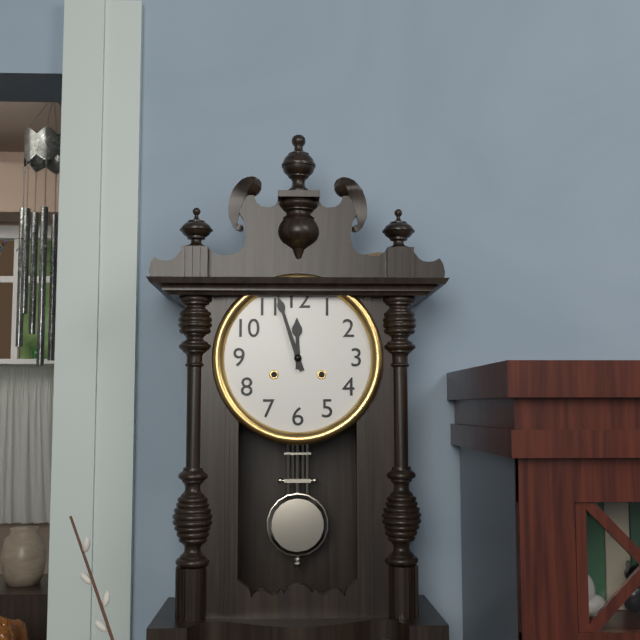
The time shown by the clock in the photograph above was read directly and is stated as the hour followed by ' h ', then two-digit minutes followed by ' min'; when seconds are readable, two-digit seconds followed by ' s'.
11 h 57 min
